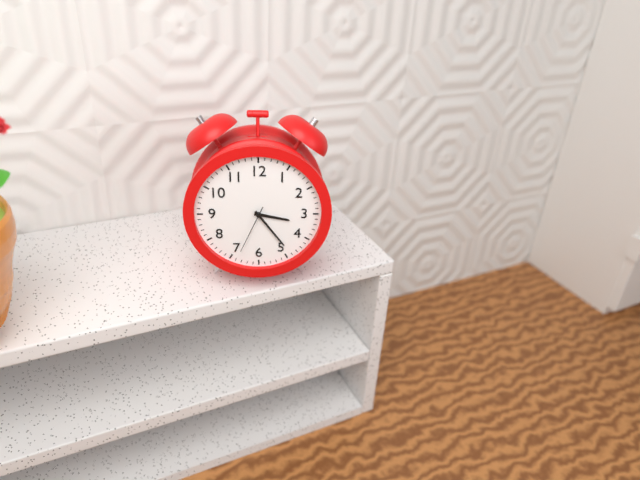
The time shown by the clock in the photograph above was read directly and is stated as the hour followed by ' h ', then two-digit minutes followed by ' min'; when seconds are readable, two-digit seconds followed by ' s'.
3 h 24 min 34 s
